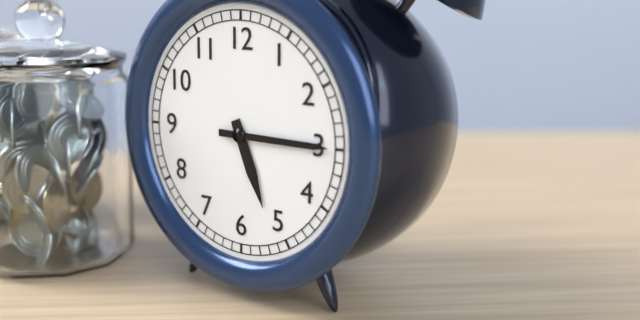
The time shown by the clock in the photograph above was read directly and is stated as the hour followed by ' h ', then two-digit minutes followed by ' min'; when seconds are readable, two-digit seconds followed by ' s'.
5 h 15 min
